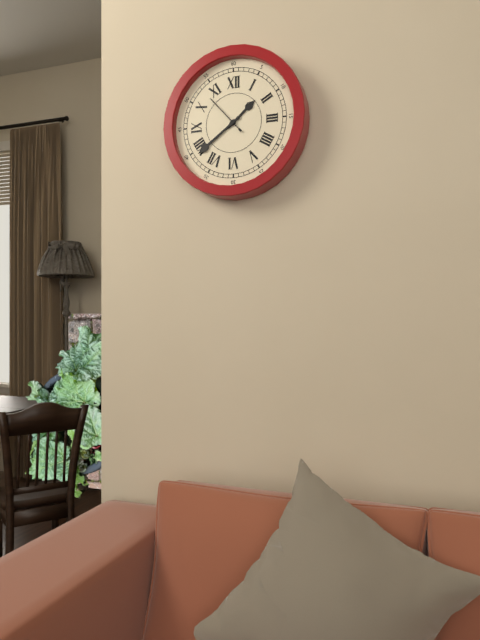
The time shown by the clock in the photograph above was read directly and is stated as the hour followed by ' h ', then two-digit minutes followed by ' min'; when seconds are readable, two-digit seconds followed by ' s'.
1 h 39 min
